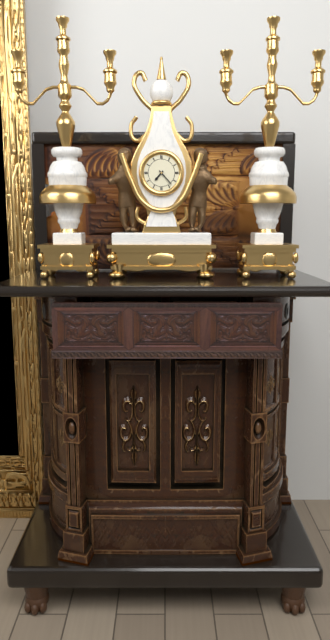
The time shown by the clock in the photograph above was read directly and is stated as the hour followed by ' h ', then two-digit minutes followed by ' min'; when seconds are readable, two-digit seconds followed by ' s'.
7 h 23 min
